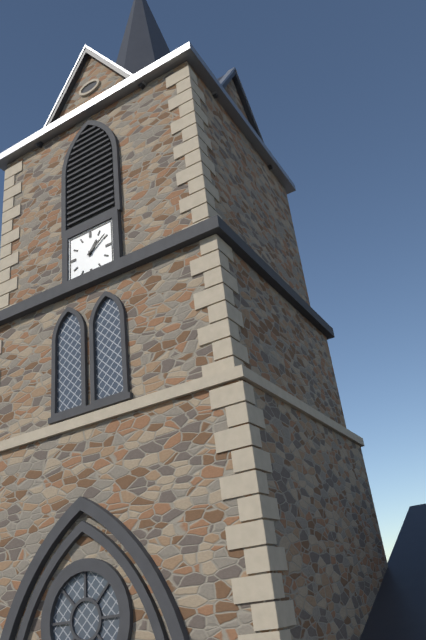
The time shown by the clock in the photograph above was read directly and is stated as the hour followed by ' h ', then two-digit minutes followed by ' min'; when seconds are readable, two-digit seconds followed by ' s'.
1 h 09 min
